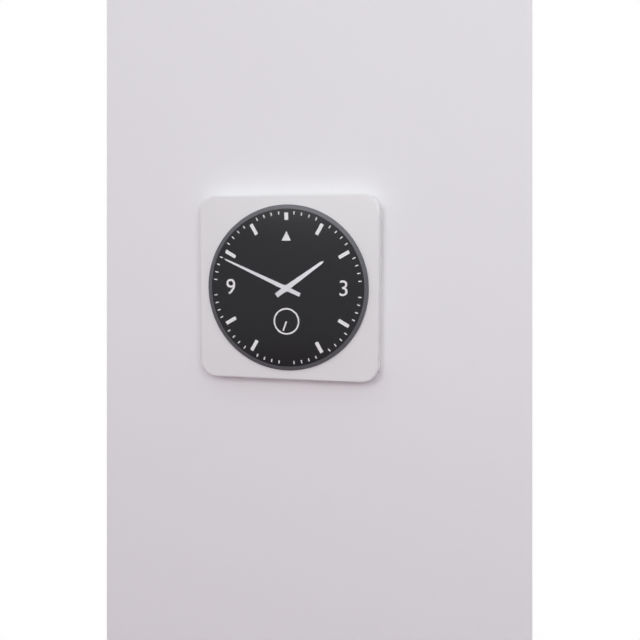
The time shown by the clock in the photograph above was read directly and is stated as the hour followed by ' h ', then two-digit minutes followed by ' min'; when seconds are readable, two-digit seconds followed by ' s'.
1 h 49 min
